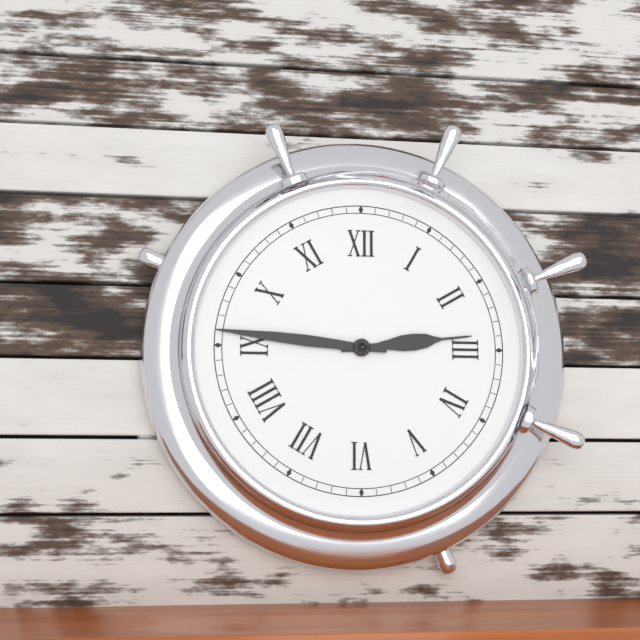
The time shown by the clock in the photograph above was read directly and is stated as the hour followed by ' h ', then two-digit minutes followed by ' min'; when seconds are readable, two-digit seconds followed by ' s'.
2 h 46 min
